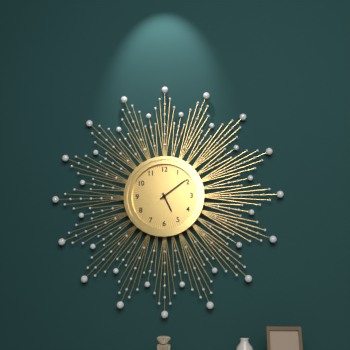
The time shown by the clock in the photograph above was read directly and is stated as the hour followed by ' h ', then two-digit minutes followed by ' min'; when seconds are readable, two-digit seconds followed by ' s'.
5 h 09 min
